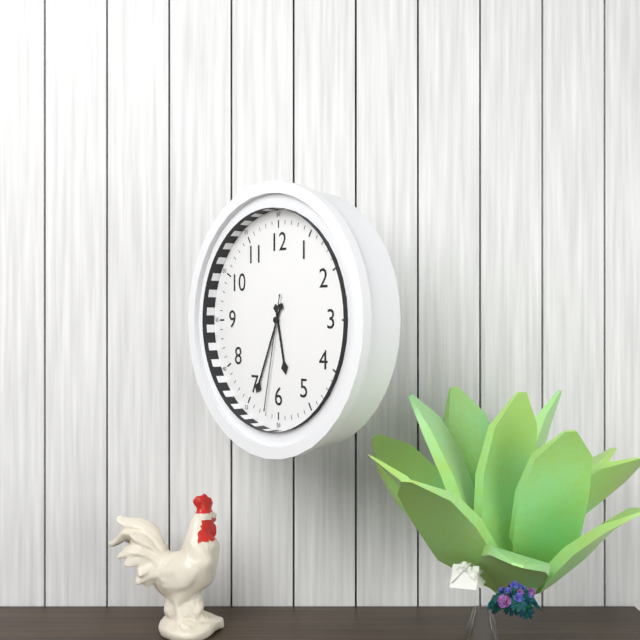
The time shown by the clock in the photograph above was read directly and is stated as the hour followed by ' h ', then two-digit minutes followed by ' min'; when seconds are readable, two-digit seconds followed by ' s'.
5 h 34 min 32 s
